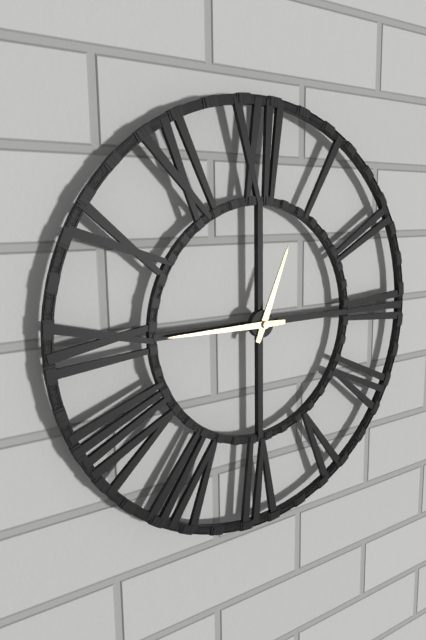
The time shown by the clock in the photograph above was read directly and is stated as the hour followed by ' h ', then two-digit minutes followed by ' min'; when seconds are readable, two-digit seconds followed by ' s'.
12 h 45 min
